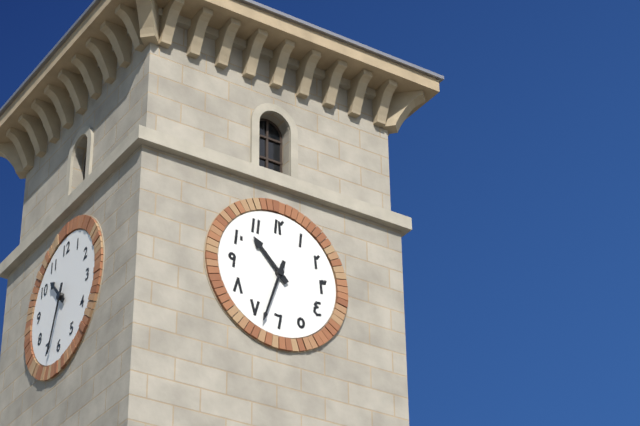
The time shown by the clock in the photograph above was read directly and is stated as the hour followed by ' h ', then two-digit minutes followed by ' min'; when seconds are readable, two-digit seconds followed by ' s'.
10 h 33 min
